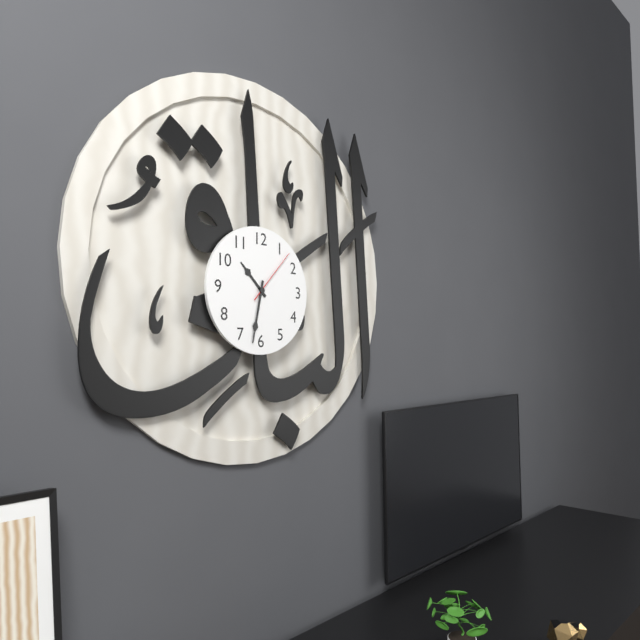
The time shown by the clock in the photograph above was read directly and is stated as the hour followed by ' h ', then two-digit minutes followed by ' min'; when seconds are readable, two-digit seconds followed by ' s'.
10 h 32 min 07 s
